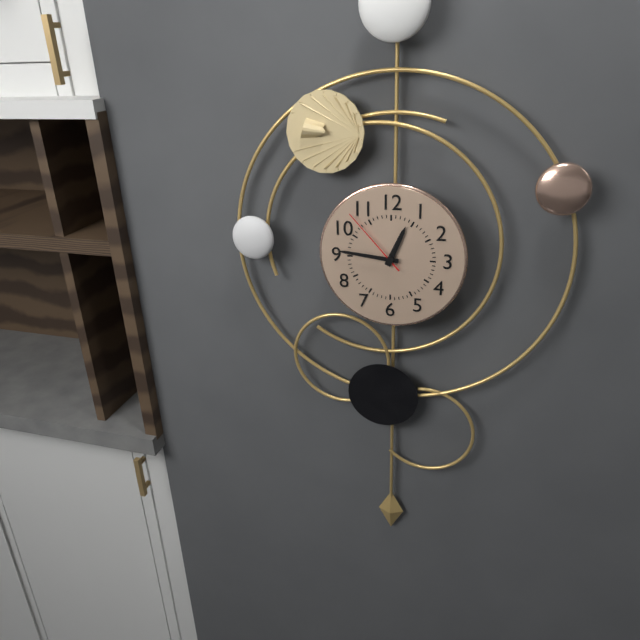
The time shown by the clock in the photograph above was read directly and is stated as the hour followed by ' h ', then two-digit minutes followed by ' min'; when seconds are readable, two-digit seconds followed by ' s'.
12 h 46 min 53 s
